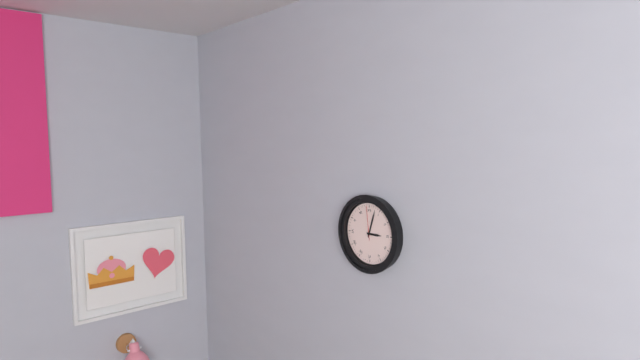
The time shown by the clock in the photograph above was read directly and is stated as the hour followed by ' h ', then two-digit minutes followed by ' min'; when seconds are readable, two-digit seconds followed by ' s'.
3 h 03 min
